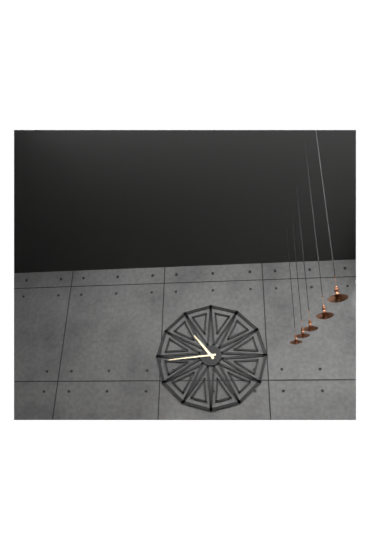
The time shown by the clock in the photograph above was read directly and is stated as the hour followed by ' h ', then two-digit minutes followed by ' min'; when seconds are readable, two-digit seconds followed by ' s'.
10 h 44 min
